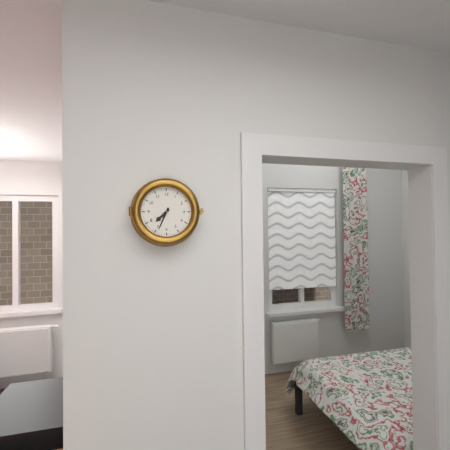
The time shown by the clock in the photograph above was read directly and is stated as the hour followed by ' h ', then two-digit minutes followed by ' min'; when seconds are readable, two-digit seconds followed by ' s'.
7 h 34 min
